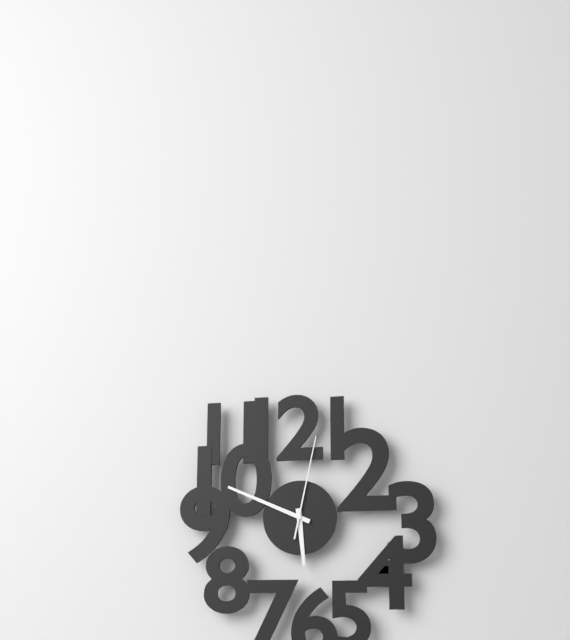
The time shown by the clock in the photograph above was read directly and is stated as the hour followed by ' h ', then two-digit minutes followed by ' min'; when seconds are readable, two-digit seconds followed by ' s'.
5 h 49 min 02 s
